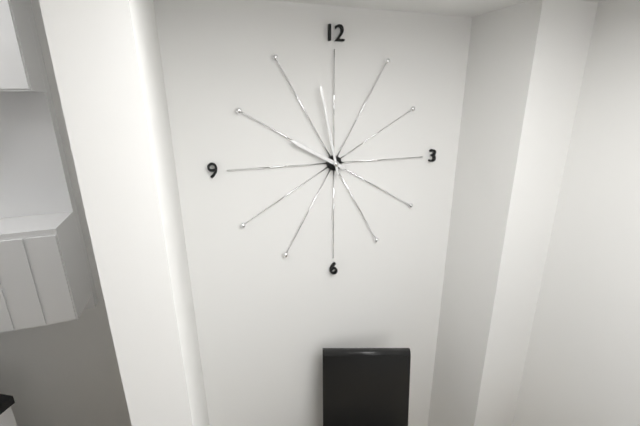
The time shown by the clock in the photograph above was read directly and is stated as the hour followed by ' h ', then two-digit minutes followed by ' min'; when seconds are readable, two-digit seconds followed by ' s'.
9 h 58 min
